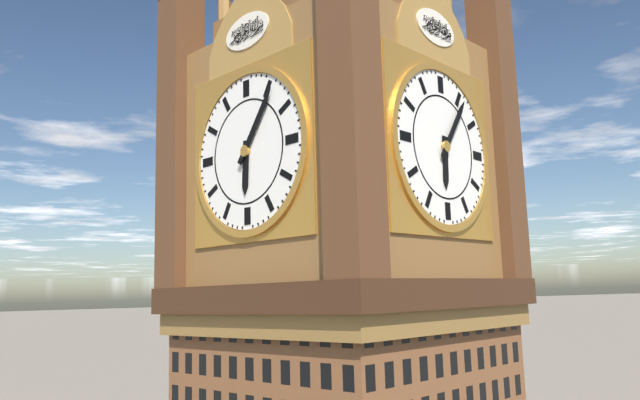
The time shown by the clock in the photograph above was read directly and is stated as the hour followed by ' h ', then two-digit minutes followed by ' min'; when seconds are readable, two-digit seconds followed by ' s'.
6 h 06 min
